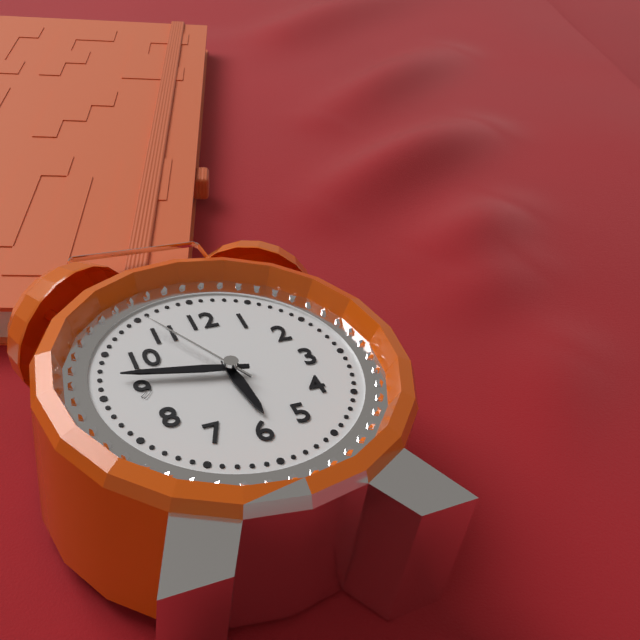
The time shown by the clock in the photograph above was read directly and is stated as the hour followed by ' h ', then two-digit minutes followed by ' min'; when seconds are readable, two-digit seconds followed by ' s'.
5 h 47 min 55 s
